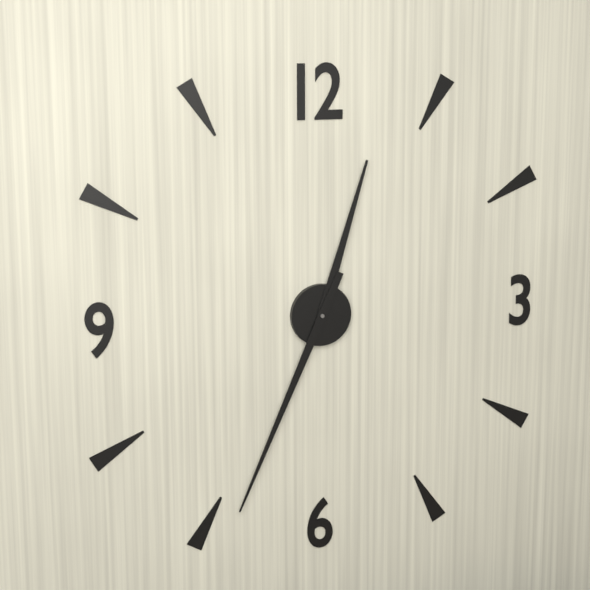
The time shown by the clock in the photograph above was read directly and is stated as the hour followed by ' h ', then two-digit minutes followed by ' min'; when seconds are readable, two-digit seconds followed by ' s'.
12 h 34 min
